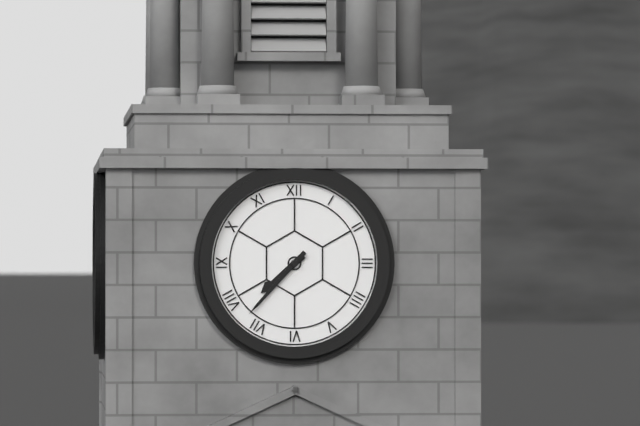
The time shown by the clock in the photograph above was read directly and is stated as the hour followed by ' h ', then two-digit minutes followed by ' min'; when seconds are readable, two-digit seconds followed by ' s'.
7 h 37 min
